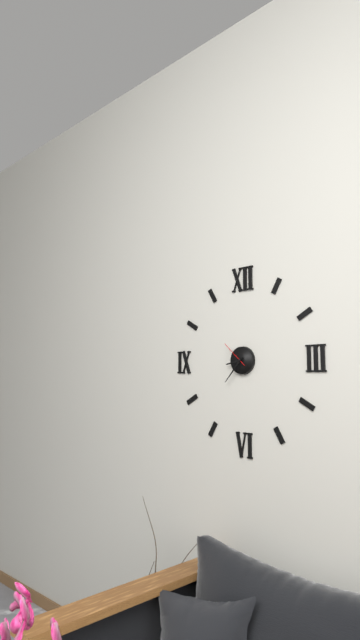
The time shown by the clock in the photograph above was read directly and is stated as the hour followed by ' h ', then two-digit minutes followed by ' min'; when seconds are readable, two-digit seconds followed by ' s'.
8 h 37 min
